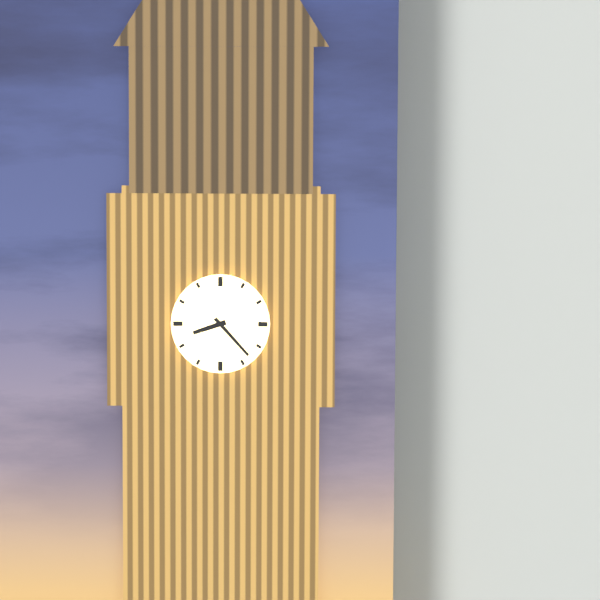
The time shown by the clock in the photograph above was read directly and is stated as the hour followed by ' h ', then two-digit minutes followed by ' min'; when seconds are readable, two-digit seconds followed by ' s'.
8 h 23 min
